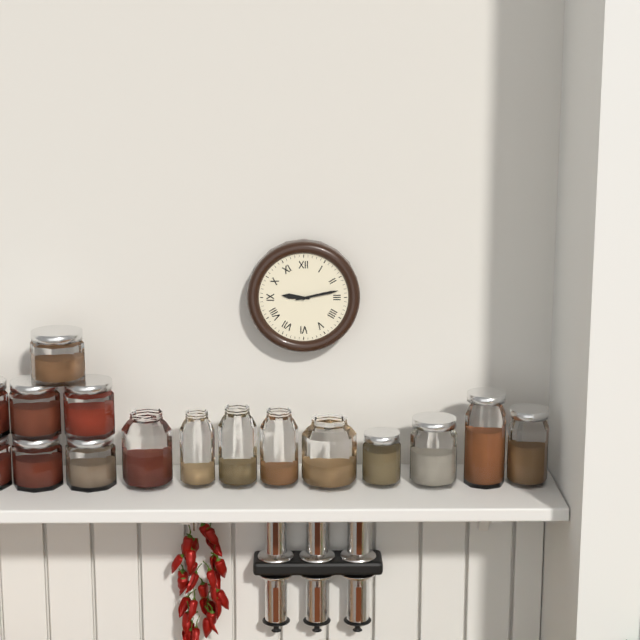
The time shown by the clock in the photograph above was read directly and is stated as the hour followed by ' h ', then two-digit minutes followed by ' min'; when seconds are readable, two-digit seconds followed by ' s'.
9 h 13 min
